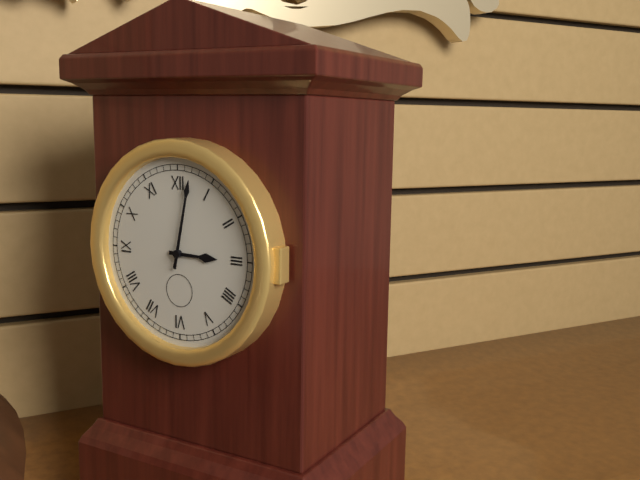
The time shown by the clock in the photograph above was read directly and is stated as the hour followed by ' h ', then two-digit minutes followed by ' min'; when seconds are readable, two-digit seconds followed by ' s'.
3 h 02 min
